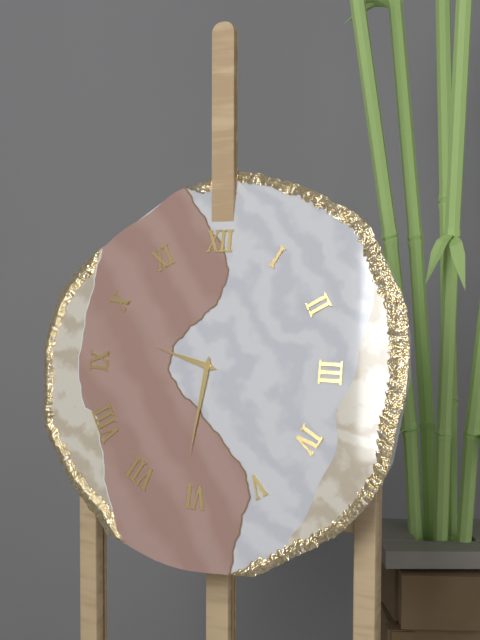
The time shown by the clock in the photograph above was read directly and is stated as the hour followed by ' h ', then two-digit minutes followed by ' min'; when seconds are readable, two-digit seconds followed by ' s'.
9 h 31 min
